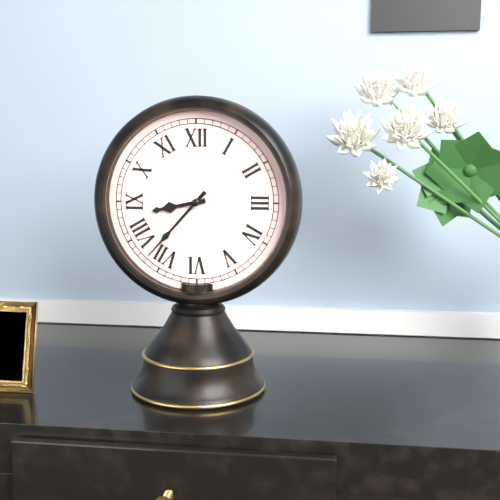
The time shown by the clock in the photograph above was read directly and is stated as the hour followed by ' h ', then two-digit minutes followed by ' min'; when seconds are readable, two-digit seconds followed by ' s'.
8 h 37 min
